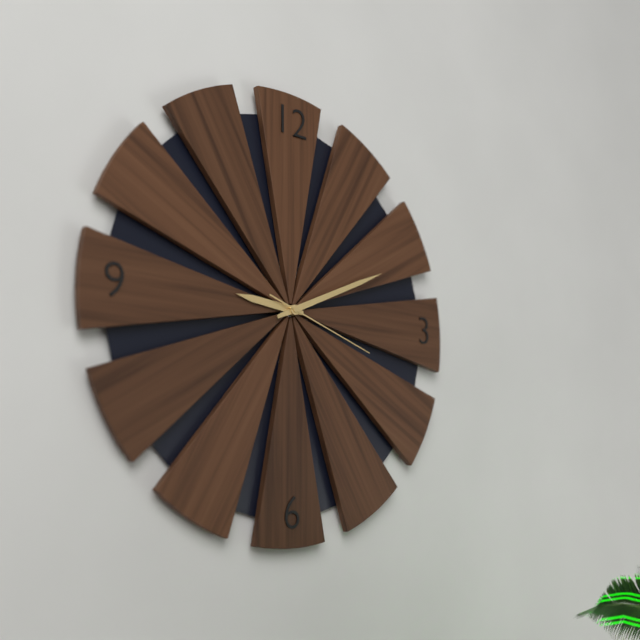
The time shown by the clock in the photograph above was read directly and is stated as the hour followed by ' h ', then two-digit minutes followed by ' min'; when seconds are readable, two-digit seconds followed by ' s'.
9 h 11 min 18 s
